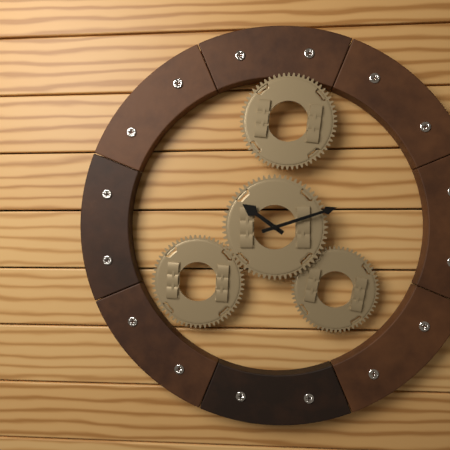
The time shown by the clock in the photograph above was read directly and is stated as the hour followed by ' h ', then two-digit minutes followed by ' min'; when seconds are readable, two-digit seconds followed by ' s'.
10 h 12 min
